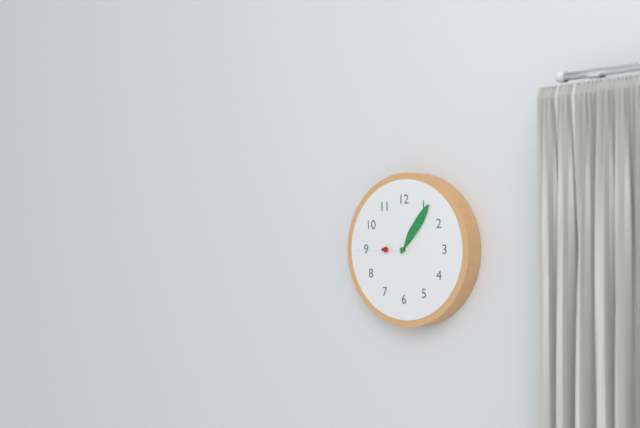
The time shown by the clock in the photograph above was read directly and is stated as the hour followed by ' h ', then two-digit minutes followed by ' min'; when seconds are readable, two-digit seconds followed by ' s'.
1 h 06 min 45 s
